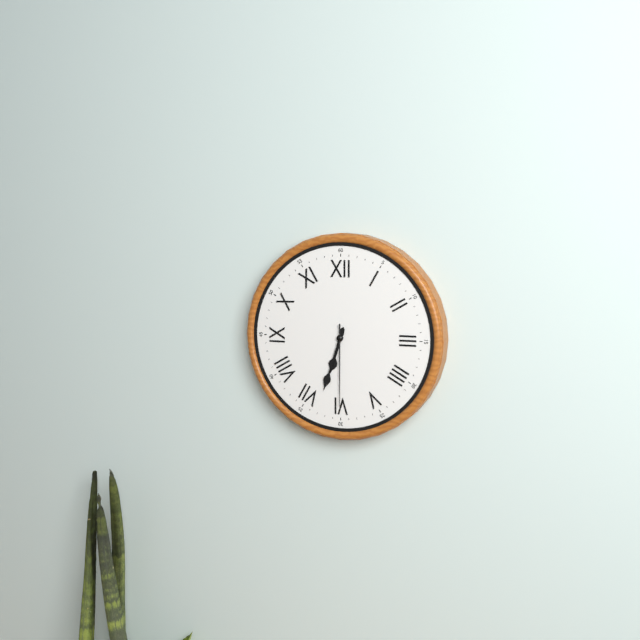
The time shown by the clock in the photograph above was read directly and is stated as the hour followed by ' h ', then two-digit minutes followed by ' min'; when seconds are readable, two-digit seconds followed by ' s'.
6 h 33 min 30 s
